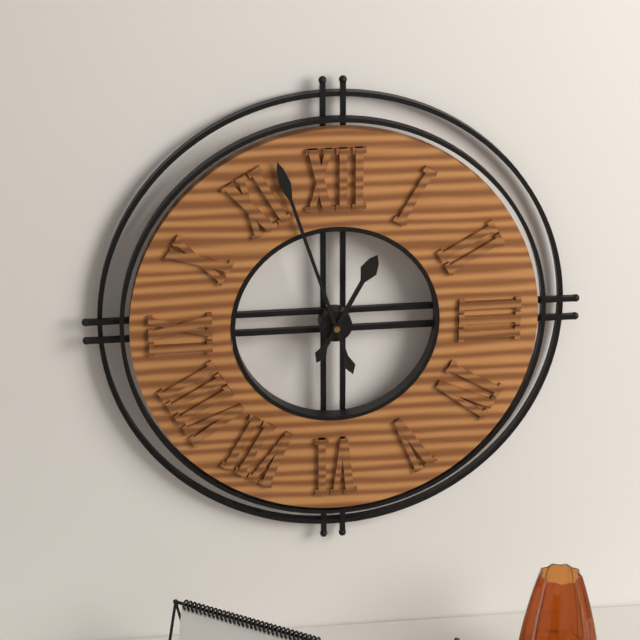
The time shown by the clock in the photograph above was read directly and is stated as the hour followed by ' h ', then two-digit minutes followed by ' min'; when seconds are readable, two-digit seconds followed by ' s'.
12 h 57 min
